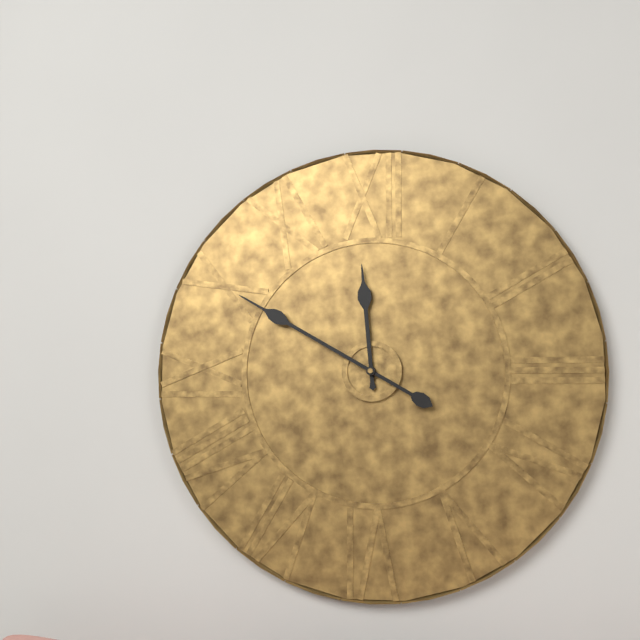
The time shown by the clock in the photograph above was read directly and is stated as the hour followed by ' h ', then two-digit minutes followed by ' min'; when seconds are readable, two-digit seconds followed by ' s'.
11 h 50 min
